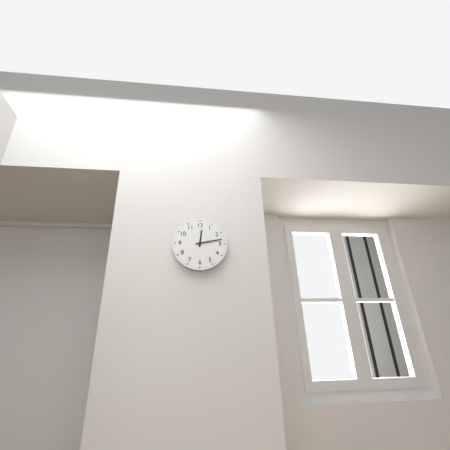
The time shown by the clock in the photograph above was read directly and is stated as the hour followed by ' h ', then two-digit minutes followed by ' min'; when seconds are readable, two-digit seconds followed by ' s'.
12 h 13 min
